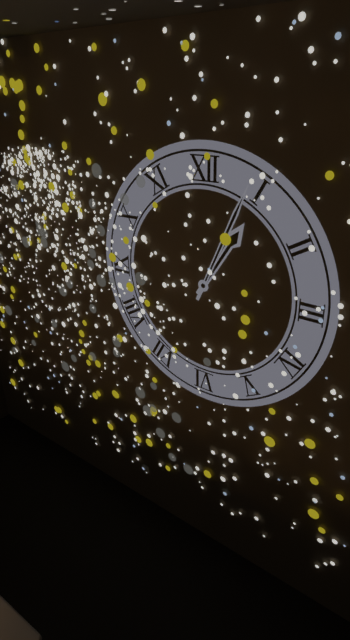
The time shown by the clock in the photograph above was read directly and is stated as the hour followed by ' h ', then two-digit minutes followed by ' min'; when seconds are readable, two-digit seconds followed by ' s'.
1 h 04 min
